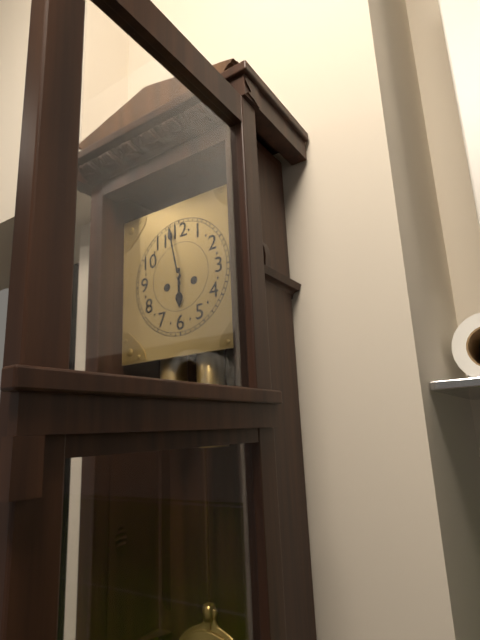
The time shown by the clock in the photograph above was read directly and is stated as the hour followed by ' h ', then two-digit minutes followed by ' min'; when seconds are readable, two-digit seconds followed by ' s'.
5 h 58 min
